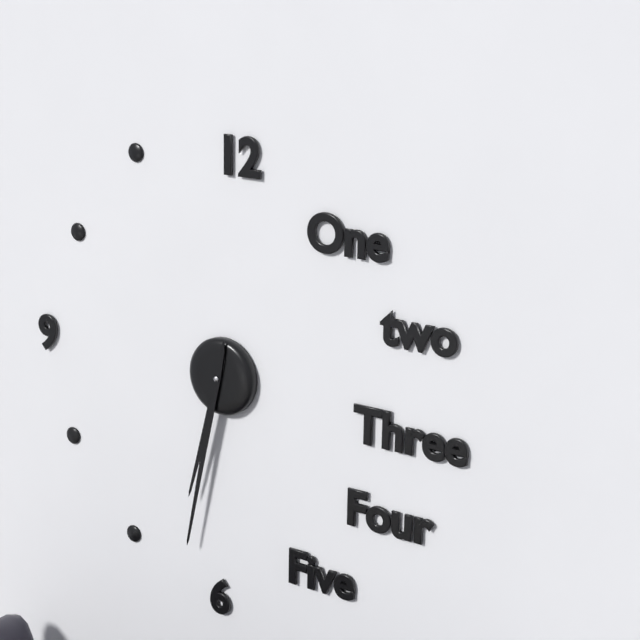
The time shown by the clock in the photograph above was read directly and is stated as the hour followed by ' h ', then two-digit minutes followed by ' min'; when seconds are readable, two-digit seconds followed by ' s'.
6 h 32 min
